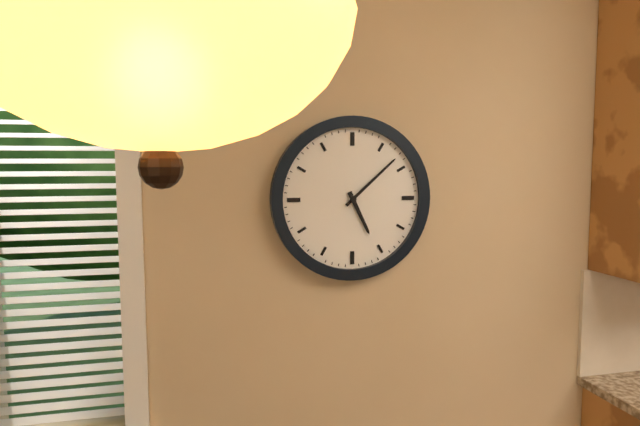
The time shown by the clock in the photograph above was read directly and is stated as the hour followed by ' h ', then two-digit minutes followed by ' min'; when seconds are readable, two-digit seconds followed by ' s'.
5 h 08 min
